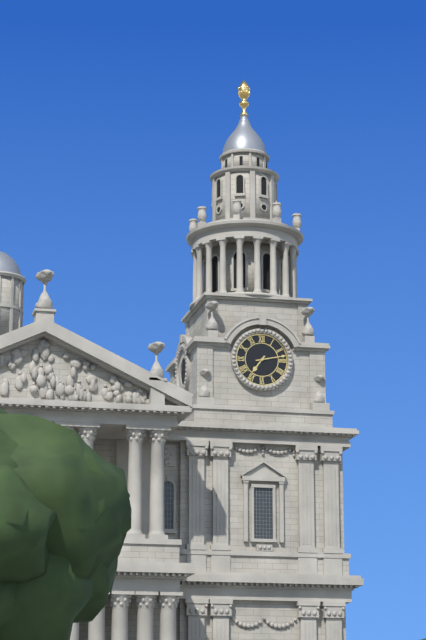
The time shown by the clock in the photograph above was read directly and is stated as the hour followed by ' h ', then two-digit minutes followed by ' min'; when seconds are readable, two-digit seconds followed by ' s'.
7 h 13 min
